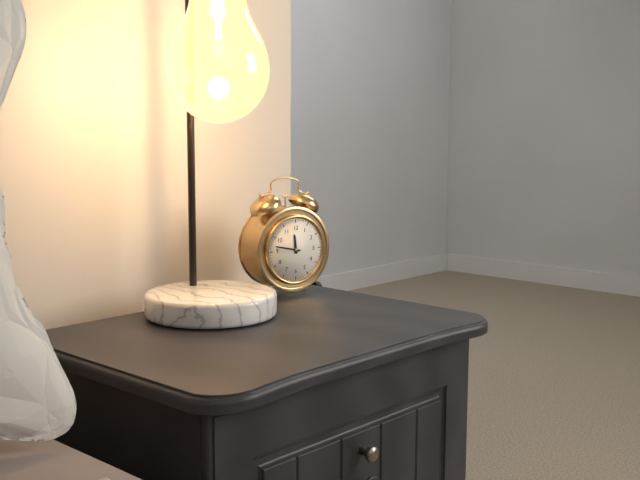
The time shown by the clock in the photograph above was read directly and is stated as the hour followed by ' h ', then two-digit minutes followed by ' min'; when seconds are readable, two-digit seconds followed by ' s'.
11 h 47 min
